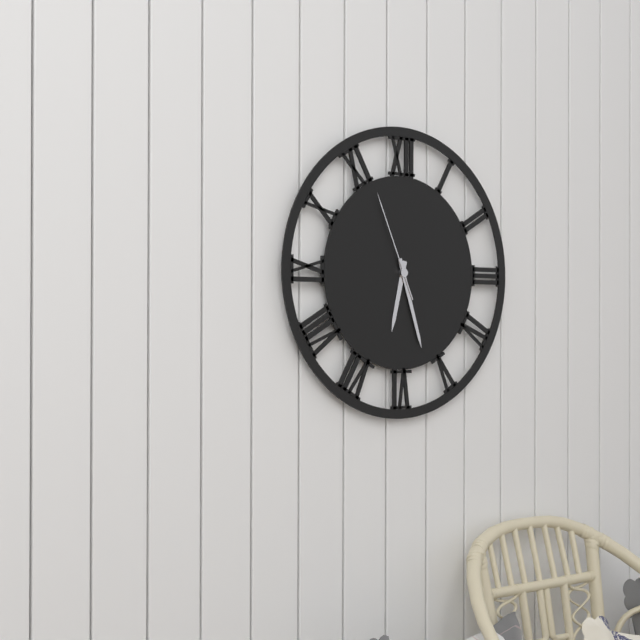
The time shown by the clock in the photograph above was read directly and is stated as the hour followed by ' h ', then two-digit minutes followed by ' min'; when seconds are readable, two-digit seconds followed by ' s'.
6 h 27 min 56 s
